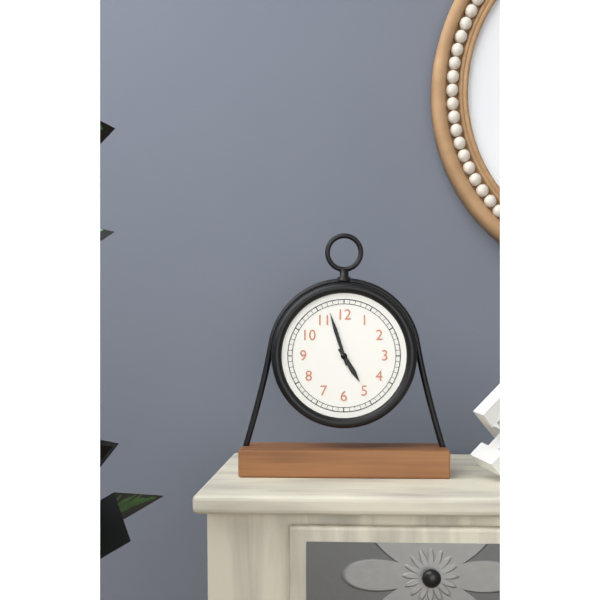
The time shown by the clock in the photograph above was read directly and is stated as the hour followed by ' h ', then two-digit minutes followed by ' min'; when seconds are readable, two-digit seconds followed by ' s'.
4 h 57 min
